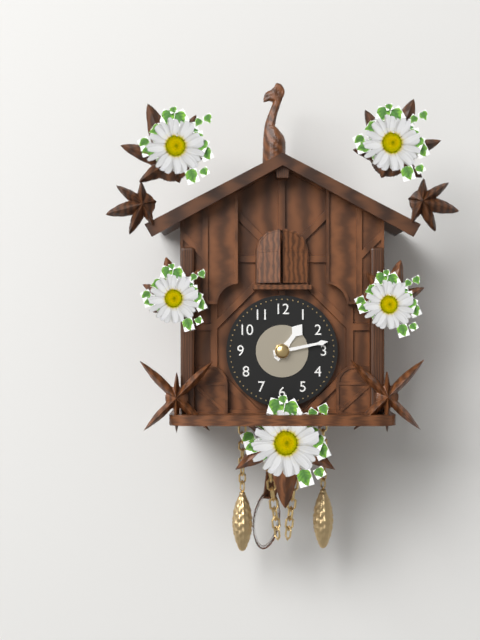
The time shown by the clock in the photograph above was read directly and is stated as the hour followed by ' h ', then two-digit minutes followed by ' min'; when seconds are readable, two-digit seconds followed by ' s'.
1 h 13 min
